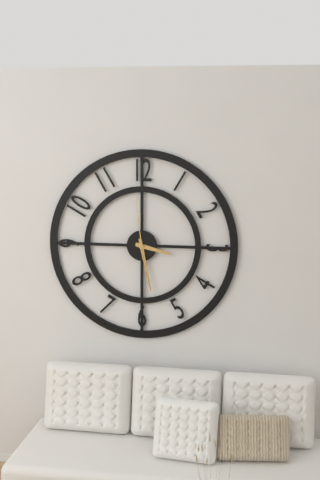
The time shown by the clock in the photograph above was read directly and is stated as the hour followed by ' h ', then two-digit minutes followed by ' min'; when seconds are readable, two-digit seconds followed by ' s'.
3 h 28 min 59 s
